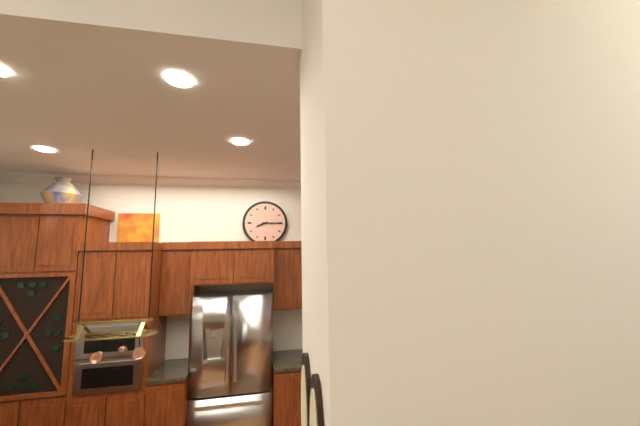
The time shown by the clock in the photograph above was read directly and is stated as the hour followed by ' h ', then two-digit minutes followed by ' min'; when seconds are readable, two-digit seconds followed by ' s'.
8 h 15 min
